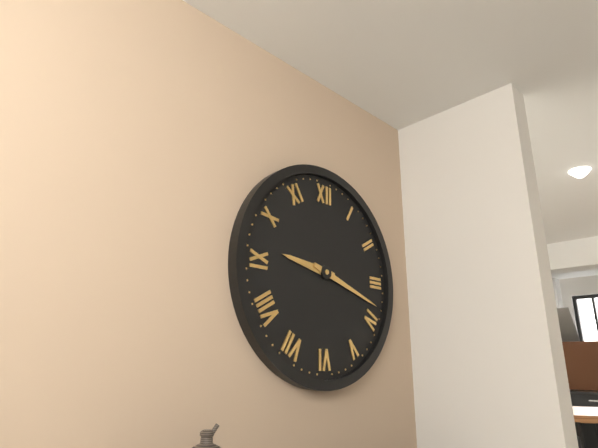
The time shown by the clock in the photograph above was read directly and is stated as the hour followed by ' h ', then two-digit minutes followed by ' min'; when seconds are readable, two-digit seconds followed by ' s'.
9 h 18 min
